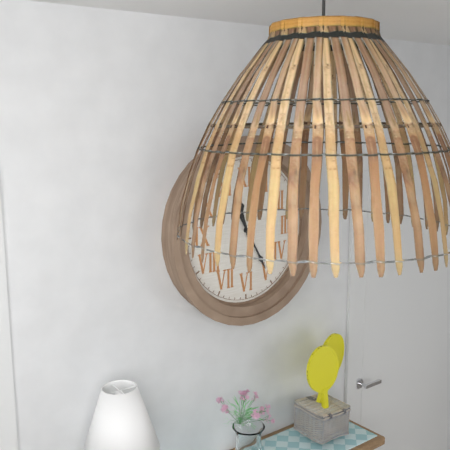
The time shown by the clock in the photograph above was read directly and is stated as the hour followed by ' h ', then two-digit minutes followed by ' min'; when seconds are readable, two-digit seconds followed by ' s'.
11 h 25 min
